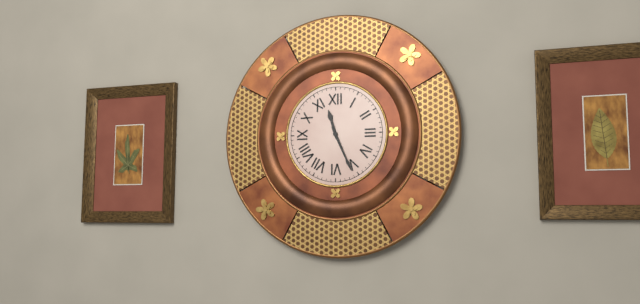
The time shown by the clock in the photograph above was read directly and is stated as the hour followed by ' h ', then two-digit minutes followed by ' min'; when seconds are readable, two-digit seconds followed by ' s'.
11 h 26 min
